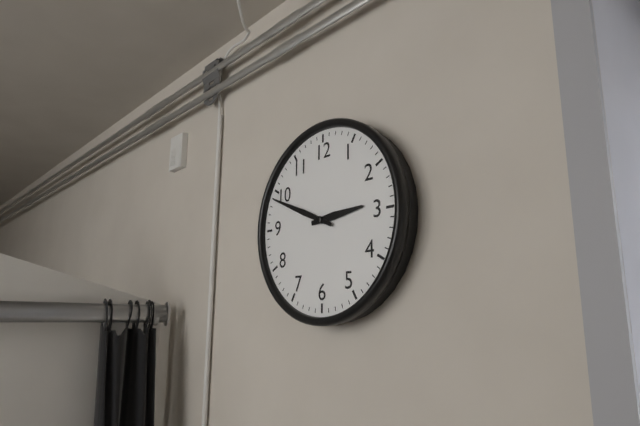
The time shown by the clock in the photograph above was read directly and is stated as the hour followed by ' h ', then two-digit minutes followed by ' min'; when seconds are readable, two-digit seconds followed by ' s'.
2 h 49 min
